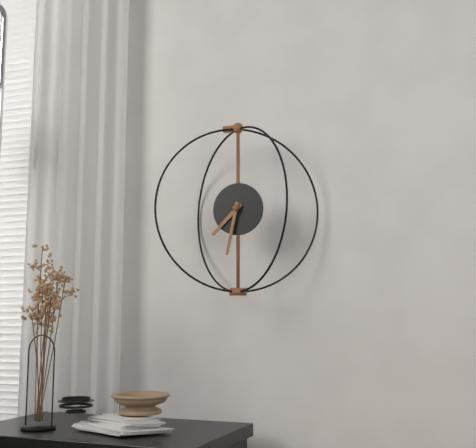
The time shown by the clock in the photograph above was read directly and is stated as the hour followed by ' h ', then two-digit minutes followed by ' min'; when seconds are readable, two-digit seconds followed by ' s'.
7 h 32 min
